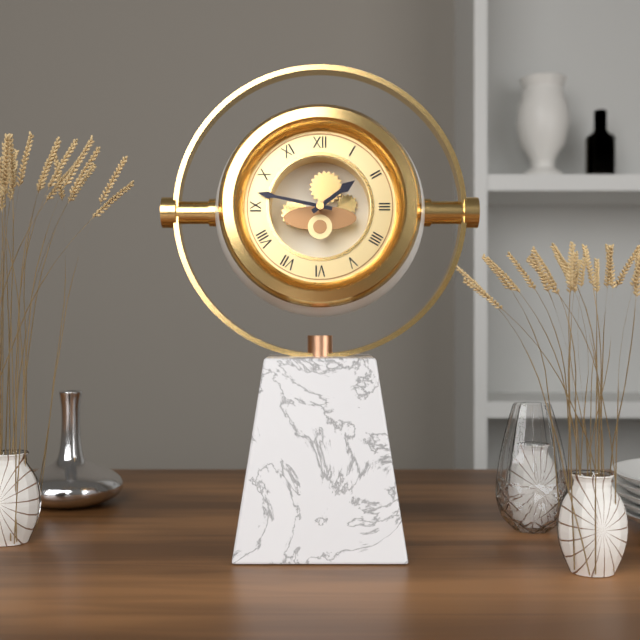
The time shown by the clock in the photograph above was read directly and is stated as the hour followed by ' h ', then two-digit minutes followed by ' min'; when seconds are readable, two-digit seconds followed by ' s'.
1 h 47 min
